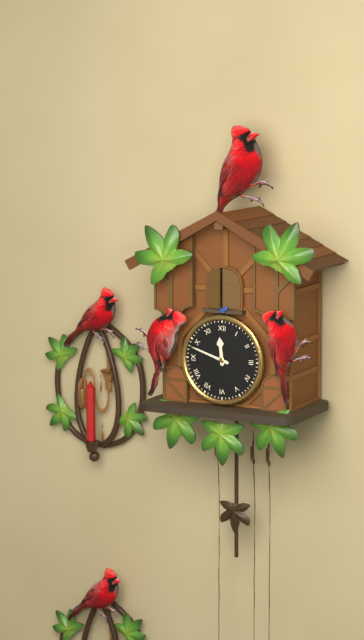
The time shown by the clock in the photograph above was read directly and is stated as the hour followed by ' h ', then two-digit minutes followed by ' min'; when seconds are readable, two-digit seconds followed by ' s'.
11 h 48 min
